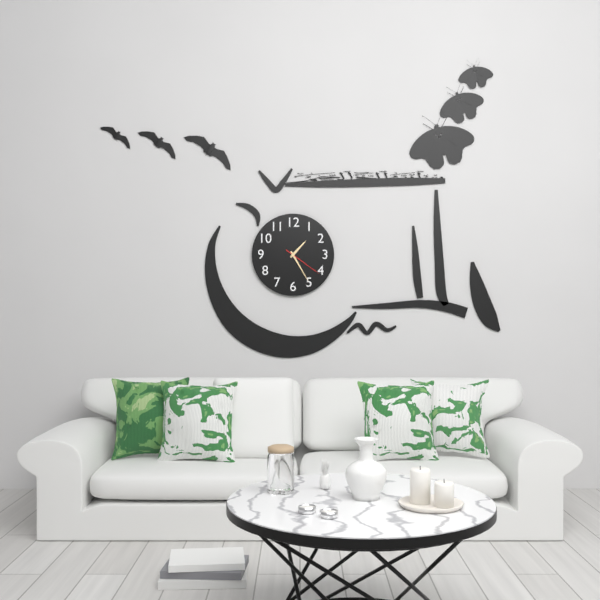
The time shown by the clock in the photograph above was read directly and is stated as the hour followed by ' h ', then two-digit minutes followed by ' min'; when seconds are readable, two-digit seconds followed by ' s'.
1 h 25 min
